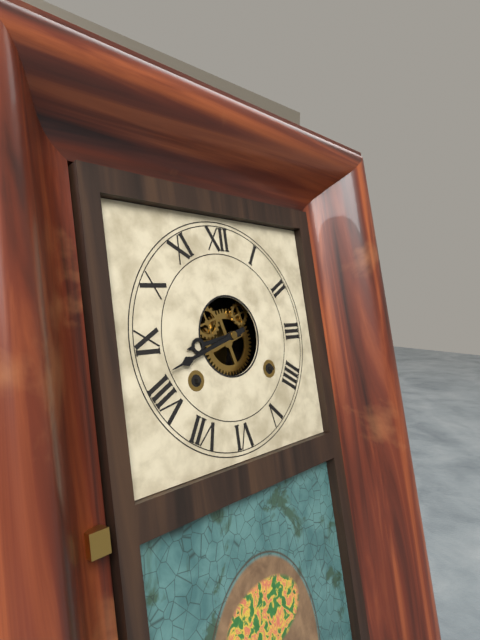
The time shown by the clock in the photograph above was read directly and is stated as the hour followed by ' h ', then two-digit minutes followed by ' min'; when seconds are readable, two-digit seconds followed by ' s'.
8 h 42 min
